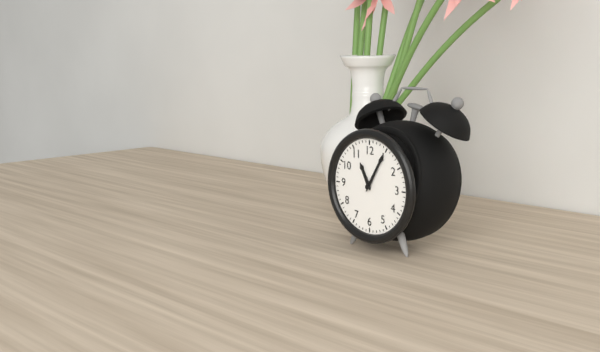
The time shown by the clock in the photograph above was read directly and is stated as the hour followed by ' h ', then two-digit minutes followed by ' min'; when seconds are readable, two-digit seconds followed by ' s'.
11 h 05 min
